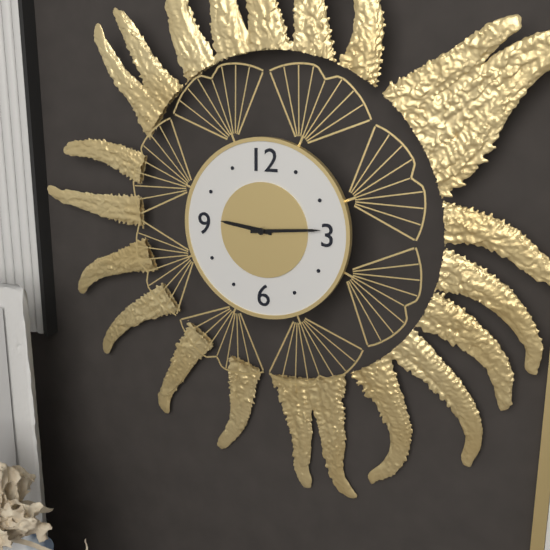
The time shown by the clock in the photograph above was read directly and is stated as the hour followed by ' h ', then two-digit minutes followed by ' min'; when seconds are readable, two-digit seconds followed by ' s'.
9 h 14 min
